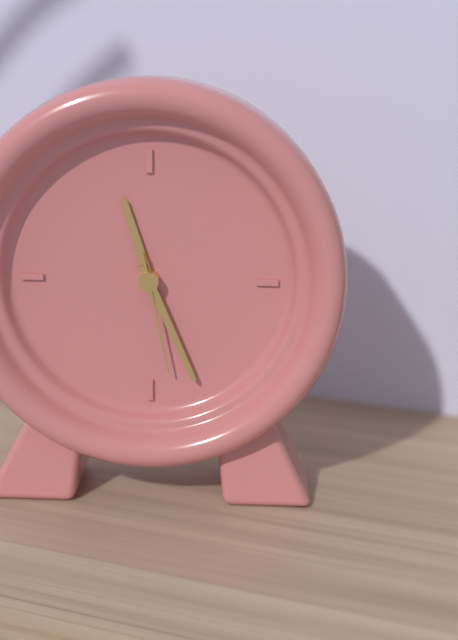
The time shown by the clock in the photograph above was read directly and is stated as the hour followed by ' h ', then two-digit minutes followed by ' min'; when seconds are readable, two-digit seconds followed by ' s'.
11 h 26 min 28 s
